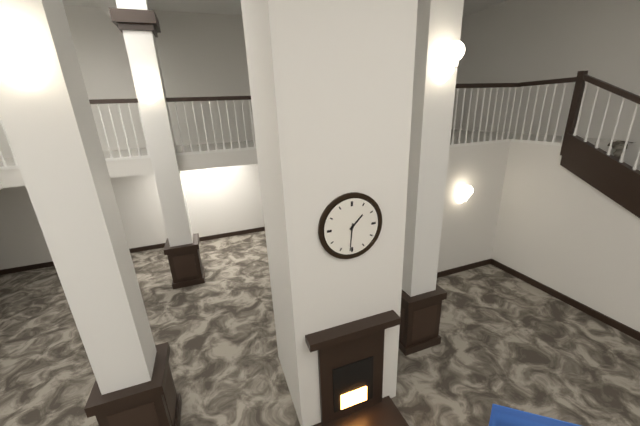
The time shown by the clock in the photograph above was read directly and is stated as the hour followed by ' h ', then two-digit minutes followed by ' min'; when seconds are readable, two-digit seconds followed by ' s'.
1 h 31 min
